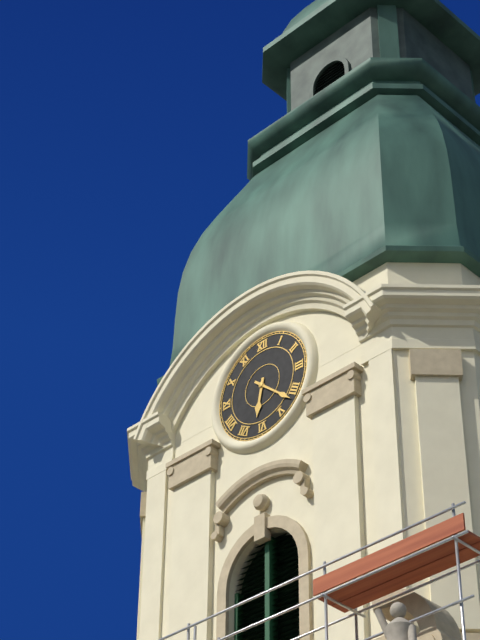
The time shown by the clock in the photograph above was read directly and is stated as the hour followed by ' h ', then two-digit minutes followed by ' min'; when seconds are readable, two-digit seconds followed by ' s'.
6 h 22 min
